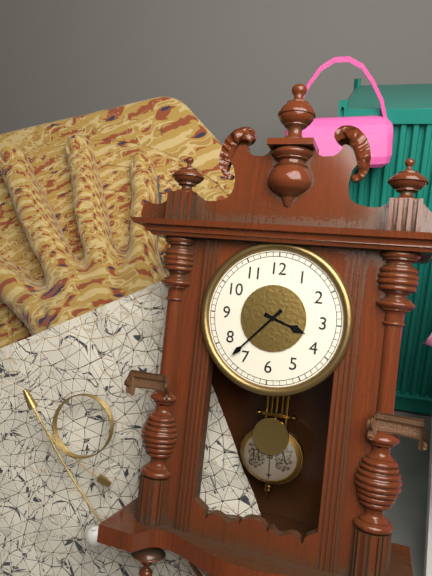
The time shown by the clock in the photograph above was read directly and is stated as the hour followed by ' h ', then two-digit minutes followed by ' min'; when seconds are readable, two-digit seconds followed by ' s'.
3 h 37 min
